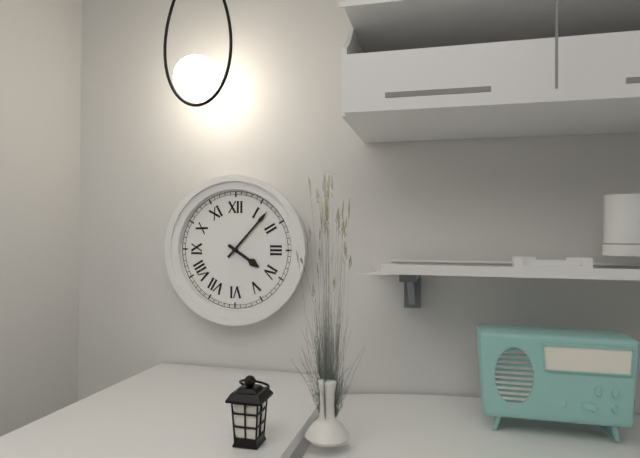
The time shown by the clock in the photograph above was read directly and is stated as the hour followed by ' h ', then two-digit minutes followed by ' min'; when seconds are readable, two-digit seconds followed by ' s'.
4 h 07 min
